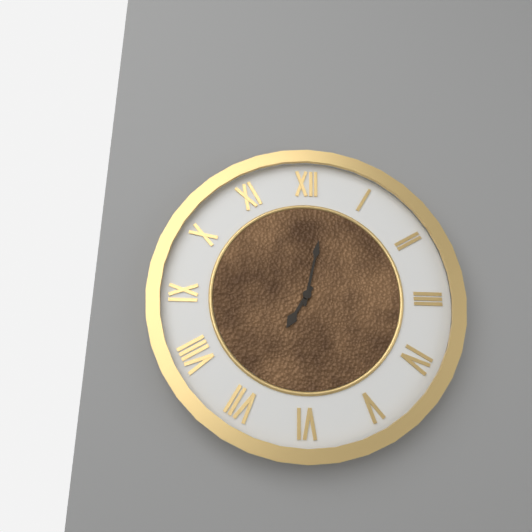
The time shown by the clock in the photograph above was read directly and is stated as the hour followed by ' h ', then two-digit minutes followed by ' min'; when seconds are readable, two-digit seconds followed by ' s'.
7 h 02 min
